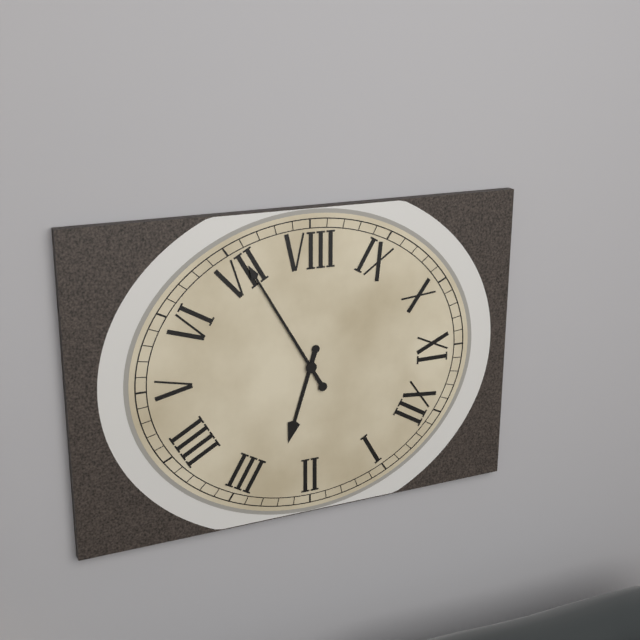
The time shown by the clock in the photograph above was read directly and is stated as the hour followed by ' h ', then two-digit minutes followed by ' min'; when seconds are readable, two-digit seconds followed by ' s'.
2 h 35 min
